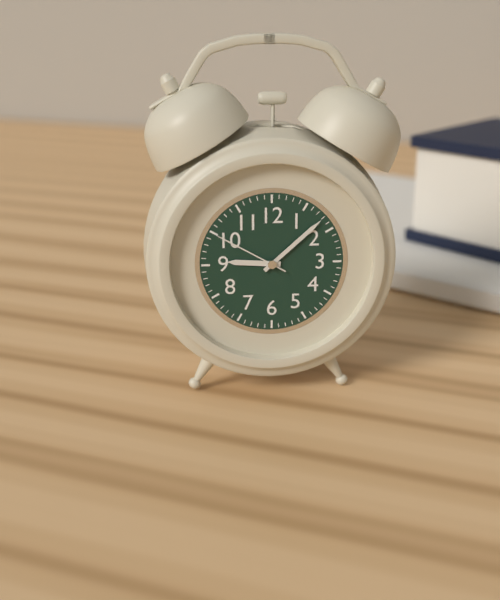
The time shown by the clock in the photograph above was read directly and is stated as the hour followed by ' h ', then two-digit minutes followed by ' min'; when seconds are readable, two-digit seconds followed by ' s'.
9 h 08 min 50 s
